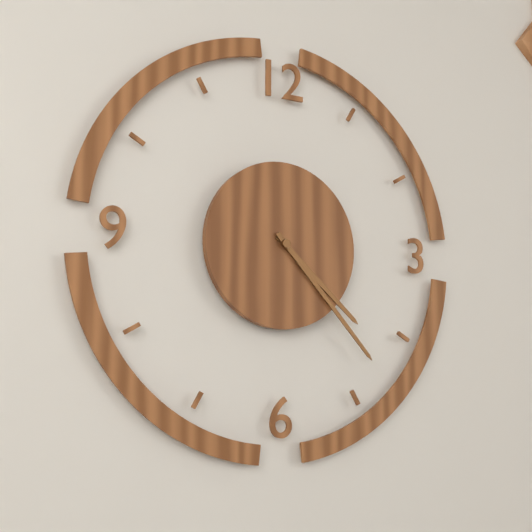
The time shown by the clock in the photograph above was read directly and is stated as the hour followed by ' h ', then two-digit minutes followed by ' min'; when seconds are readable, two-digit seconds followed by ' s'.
4 h 23 min
